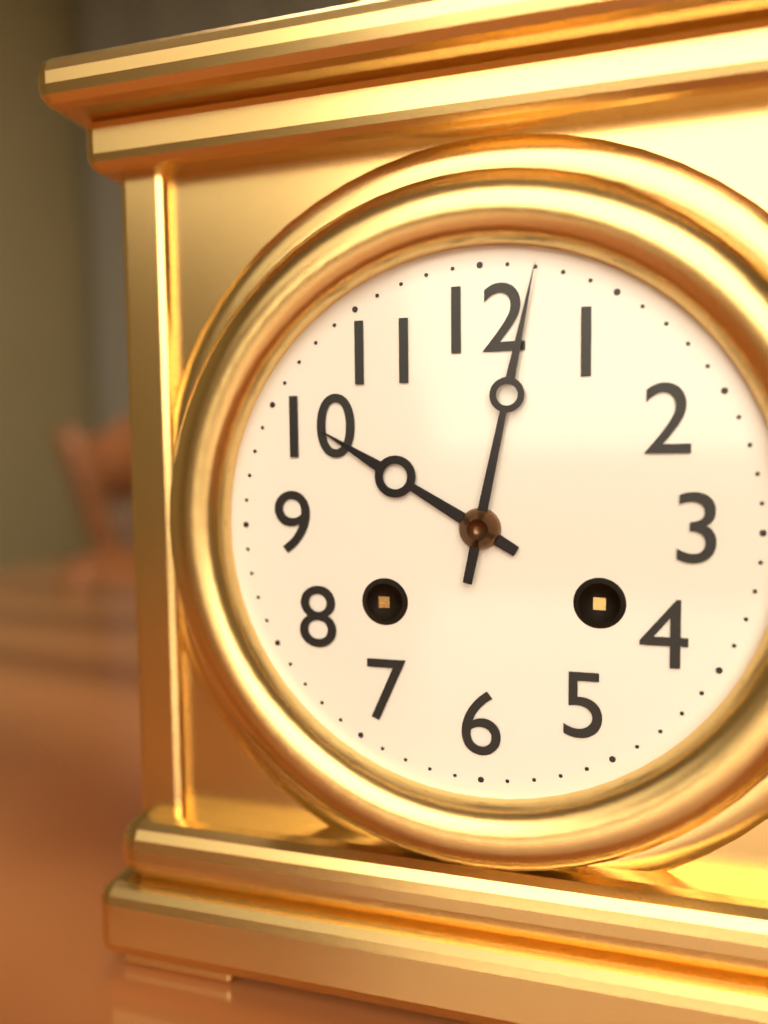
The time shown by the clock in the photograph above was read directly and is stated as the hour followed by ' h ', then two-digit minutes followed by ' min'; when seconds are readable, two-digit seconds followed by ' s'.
10 h 02 min
